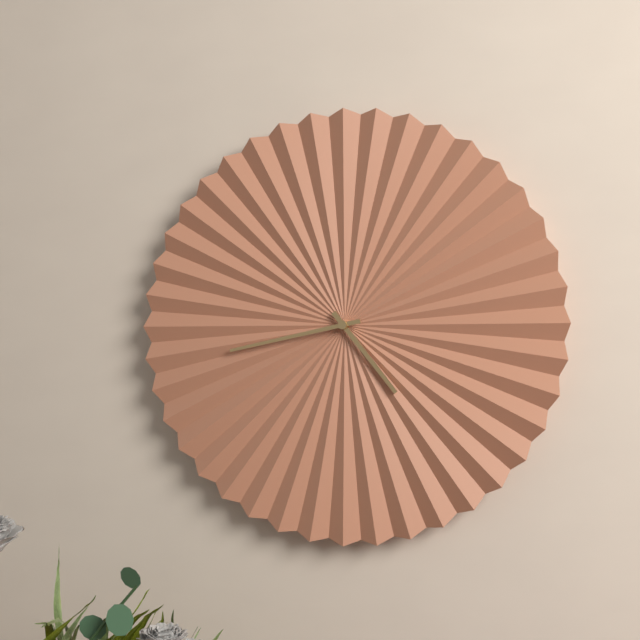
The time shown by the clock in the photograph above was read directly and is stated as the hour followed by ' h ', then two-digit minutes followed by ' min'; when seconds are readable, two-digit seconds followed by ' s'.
4 h 43 min
